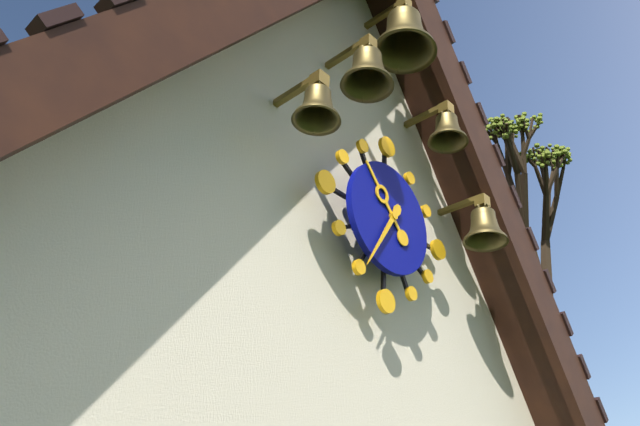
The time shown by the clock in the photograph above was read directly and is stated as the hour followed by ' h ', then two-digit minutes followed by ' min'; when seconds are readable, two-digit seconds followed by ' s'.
10 h 35 min
